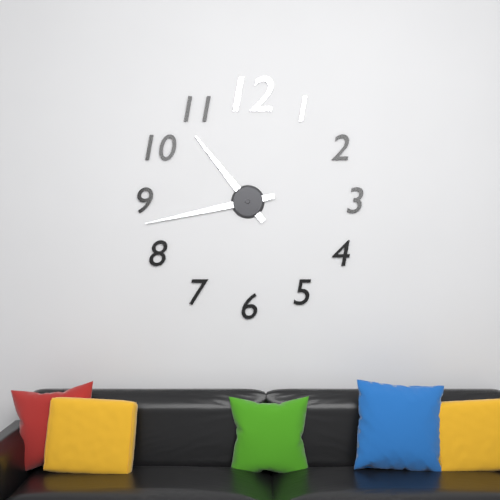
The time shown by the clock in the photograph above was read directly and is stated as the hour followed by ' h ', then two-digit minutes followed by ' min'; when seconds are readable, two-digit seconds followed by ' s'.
10 h 43 min
